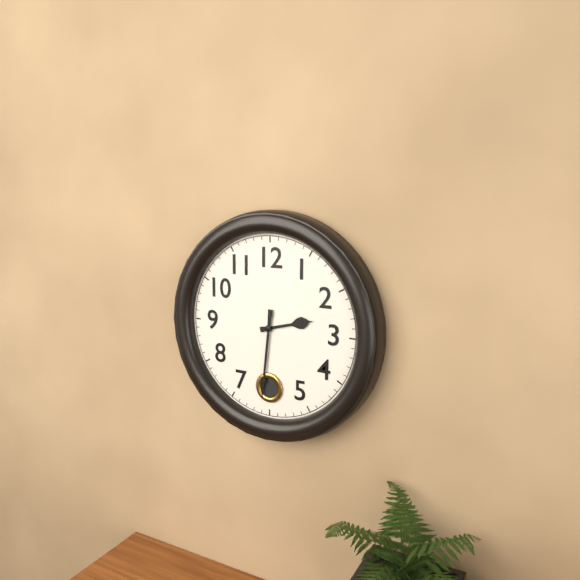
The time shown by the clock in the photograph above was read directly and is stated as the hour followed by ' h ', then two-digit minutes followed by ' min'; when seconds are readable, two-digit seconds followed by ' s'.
2 h 31 min
